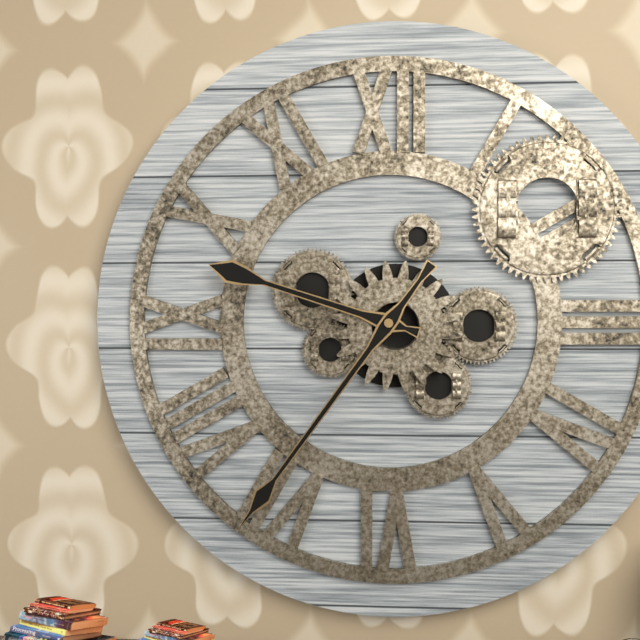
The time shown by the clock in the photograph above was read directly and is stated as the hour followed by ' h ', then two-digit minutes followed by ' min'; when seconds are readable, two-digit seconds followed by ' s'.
9 h 36 min
